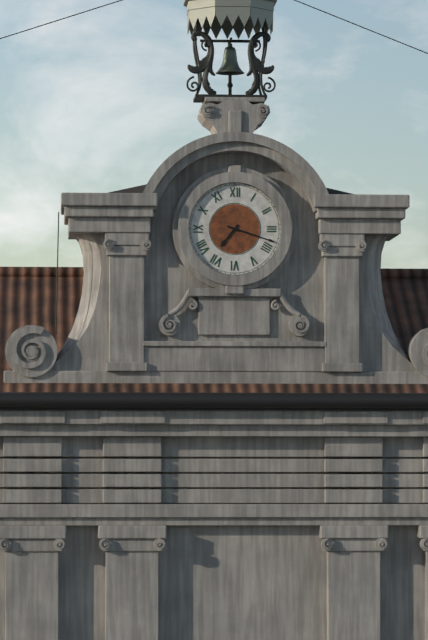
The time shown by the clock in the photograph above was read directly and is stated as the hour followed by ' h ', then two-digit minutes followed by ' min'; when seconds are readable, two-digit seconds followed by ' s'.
7 h 18 min
